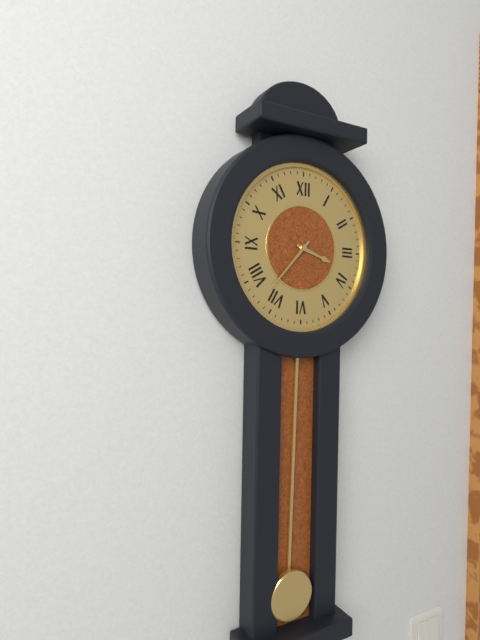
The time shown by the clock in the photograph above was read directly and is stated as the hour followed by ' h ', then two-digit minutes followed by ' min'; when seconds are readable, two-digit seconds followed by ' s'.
3 h 37 min
